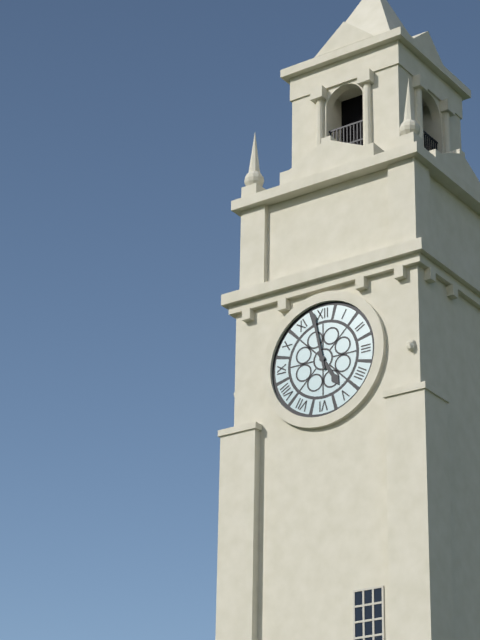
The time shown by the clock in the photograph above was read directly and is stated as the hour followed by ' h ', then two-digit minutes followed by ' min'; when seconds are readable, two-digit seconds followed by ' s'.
4 h 58 min
